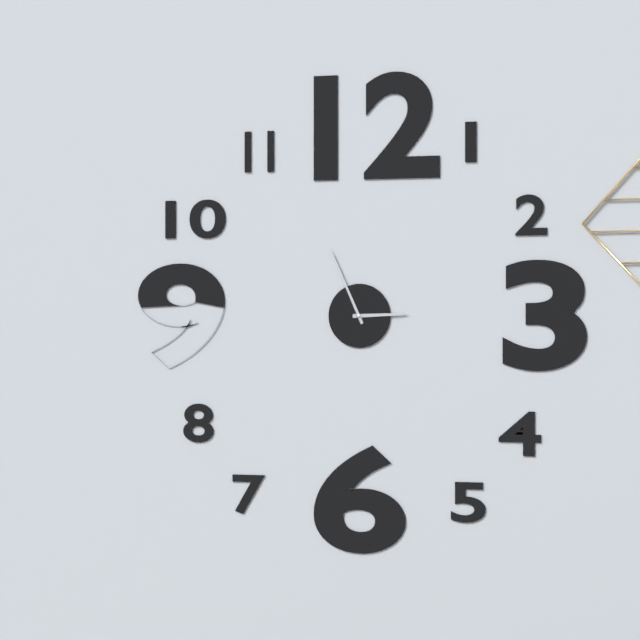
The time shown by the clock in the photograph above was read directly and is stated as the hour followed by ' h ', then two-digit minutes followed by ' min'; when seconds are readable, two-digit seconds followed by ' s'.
2 h 56 min
